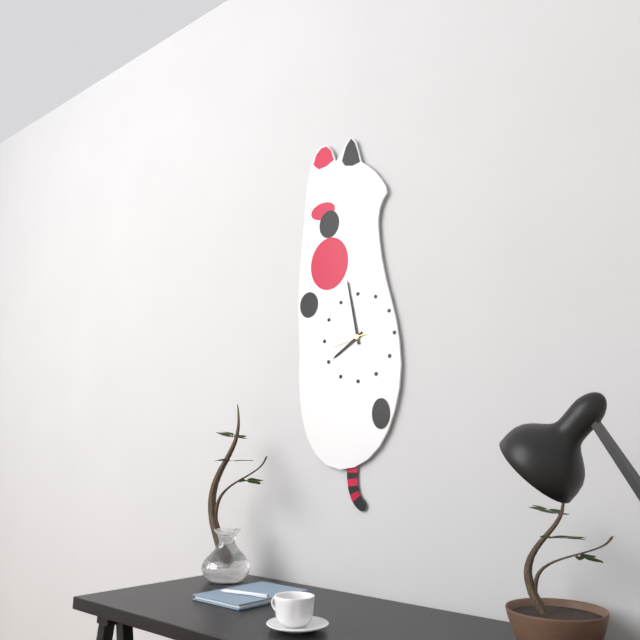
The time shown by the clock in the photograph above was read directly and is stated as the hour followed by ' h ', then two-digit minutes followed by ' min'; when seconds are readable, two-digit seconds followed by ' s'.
7 h 58 min
